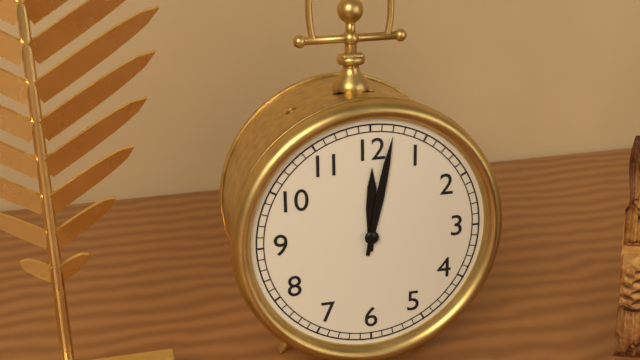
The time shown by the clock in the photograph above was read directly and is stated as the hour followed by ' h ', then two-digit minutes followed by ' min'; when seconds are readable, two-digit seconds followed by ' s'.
12 h 02 min
